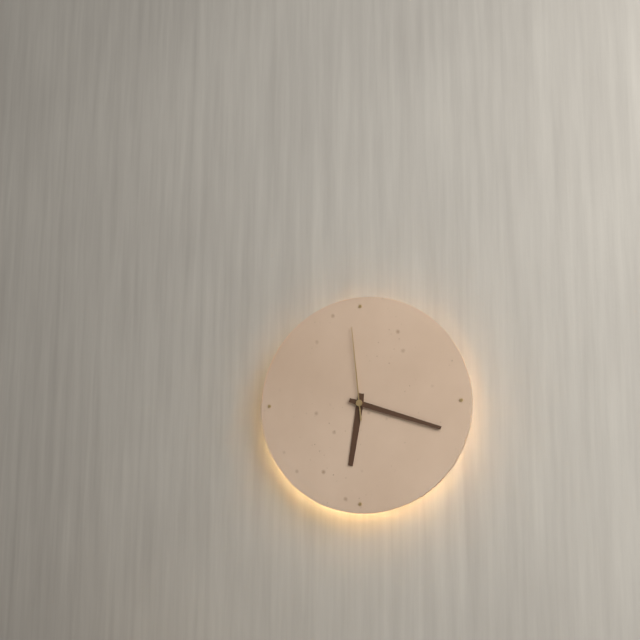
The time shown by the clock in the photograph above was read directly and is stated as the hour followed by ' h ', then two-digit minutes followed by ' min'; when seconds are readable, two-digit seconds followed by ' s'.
6 h 18 min 59 s
